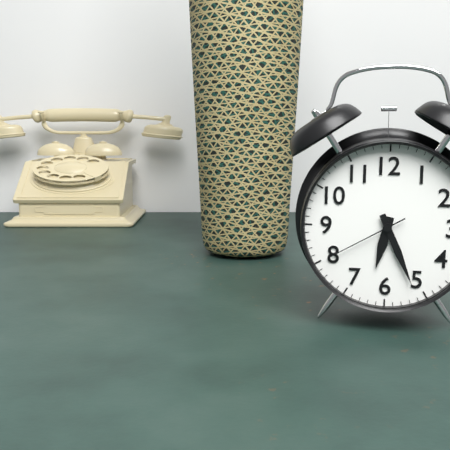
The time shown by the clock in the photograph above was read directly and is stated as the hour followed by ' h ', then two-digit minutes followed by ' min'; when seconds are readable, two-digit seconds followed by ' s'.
6 h 26 min 40 s
